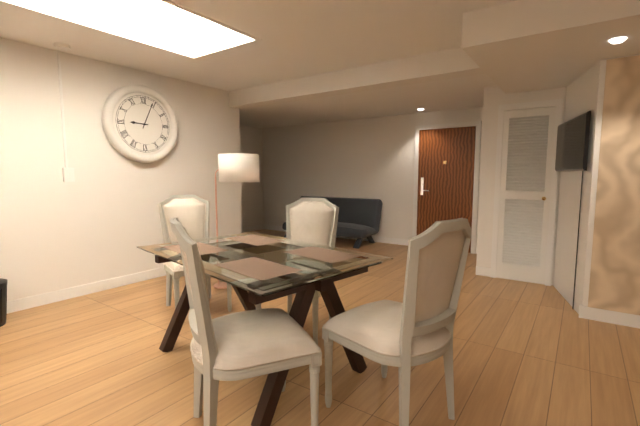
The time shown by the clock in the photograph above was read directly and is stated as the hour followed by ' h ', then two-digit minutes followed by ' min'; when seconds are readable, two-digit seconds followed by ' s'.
9 h 04 min
